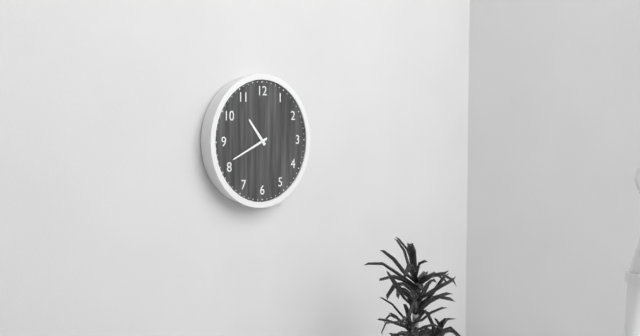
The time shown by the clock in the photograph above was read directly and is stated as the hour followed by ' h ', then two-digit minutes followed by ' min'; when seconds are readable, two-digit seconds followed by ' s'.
10 h 41 min
